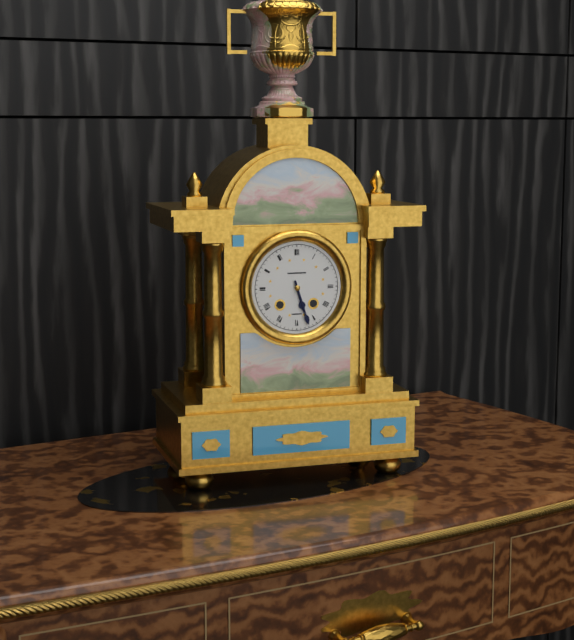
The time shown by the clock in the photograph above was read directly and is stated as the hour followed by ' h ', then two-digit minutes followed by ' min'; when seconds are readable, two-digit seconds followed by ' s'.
5 h 27 min
